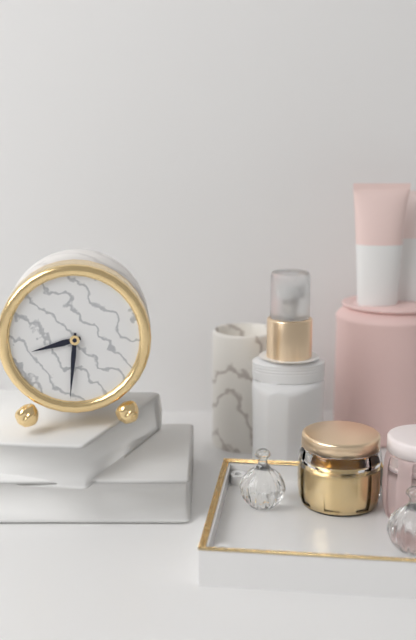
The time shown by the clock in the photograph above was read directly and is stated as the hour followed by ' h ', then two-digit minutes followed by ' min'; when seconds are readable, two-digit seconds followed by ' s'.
8 h 31 min
